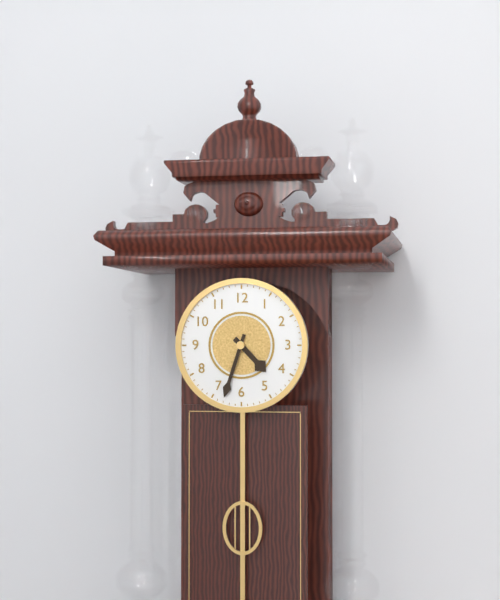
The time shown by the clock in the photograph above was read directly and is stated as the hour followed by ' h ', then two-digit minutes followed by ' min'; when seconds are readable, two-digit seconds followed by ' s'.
4 h 33 min
